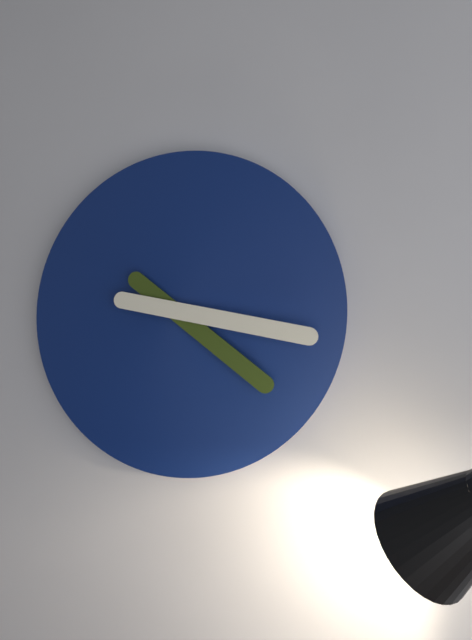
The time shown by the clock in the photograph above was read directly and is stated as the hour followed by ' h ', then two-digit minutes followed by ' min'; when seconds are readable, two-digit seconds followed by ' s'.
4 h 17 min
